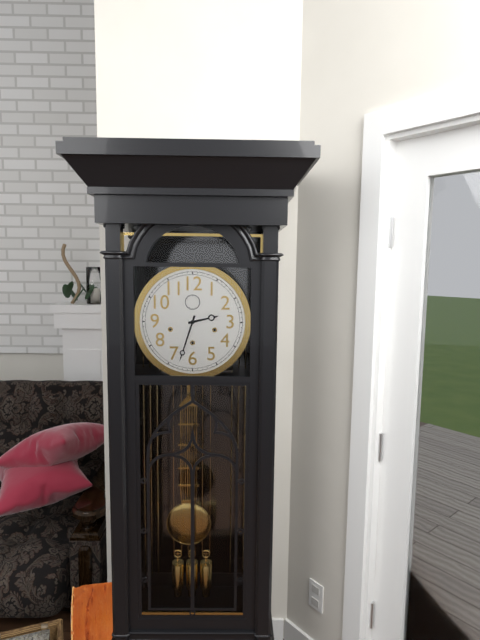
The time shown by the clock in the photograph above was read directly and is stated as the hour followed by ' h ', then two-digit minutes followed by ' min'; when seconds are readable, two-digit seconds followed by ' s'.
2 h 33 min
